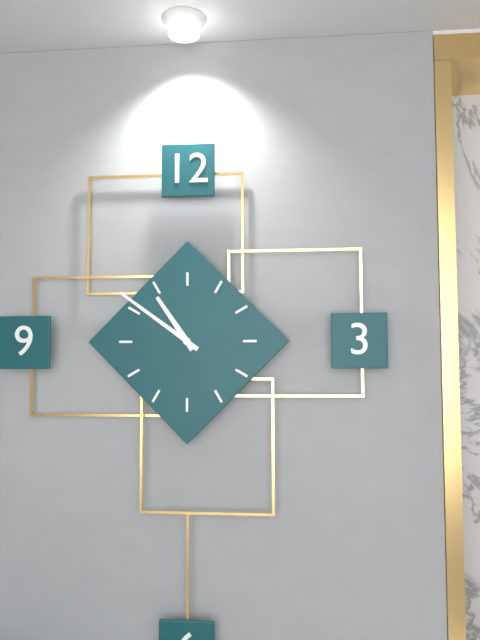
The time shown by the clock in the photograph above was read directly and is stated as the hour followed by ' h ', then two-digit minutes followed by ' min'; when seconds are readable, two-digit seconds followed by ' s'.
10 h 51 min
